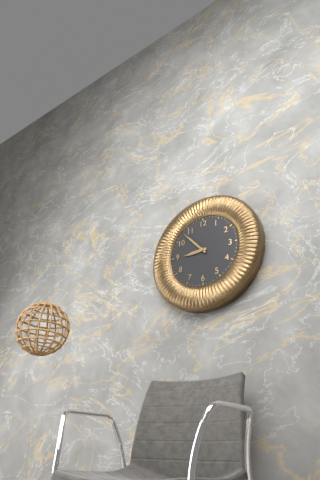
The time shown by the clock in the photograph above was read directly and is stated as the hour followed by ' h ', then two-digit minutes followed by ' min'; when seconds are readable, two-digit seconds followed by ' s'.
8 h 53 min
